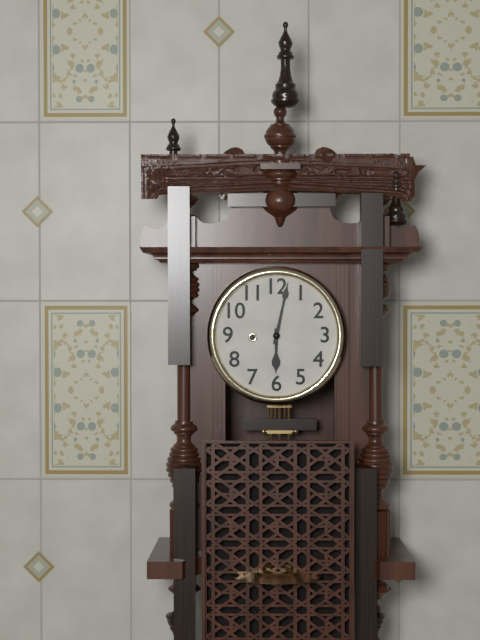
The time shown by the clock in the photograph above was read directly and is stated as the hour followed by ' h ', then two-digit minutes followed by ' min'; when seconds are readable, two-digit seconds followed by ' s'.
6 h 02 min
